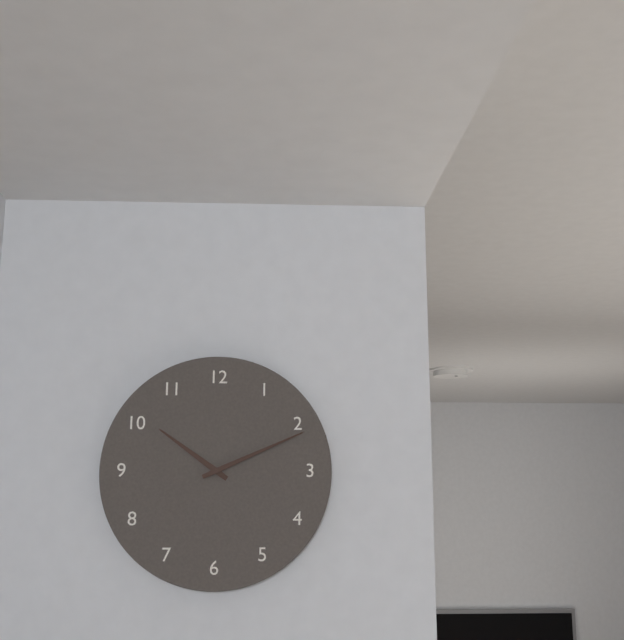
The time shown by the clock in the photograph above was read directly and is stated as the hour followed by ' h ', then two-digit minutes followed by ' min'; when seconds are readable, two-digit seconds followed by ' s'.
10 h 11 min
